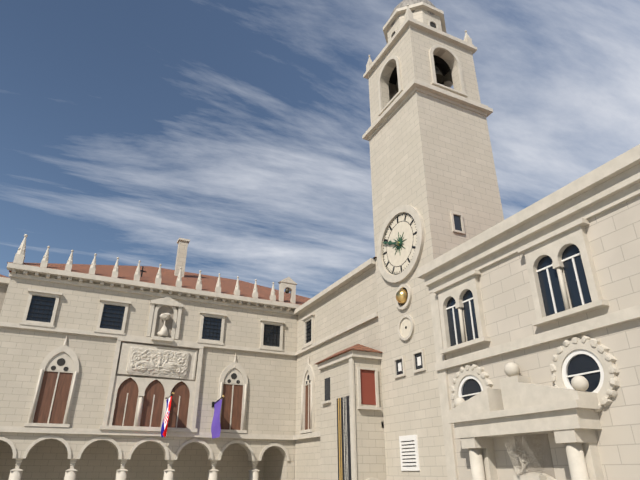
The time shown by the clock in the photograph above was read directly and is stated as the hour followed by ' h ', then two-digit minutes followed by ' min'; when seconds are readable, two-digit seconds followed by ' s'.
9 h 49 min
